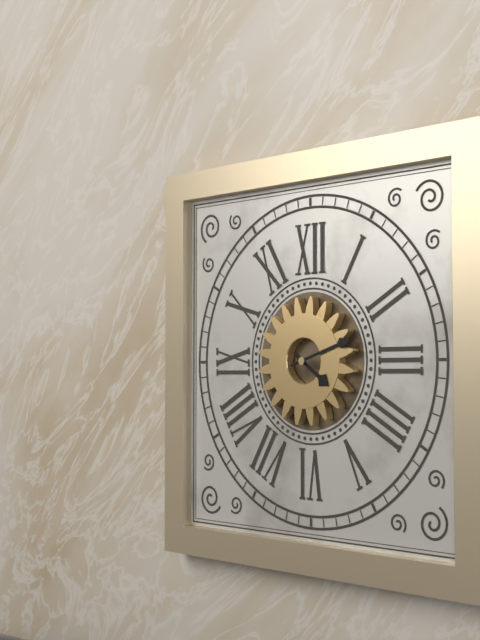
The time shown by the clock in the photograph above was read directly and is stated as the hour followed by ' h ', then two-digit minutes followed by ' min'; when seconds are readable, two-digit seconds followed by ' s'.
4 h 12 min
